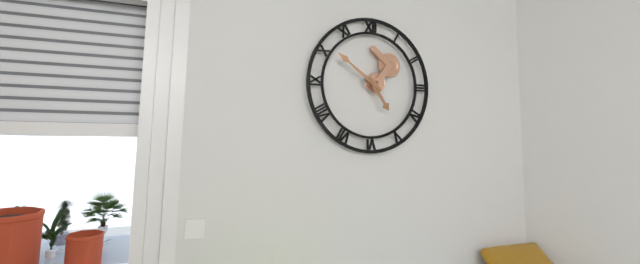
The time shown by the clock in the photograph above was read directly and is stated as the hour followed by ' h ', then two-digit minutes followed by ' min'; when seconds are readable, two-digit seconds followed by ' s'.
4 h 51 min
